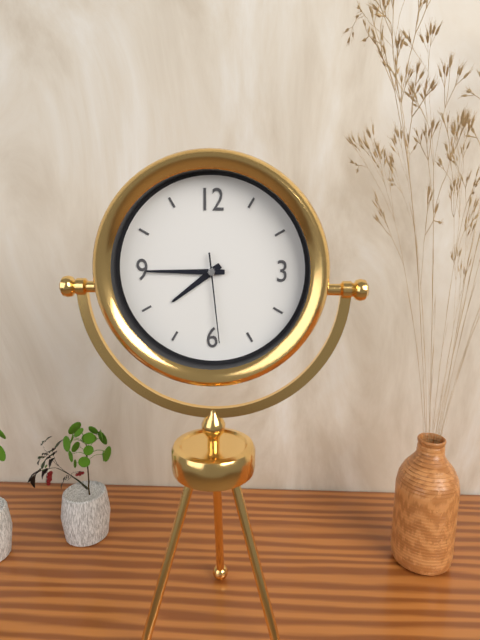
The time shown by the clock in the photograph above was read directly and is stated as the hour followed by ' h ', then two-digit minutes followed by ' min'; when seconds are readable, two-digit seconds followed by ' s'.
7 h 45 min 29 s
